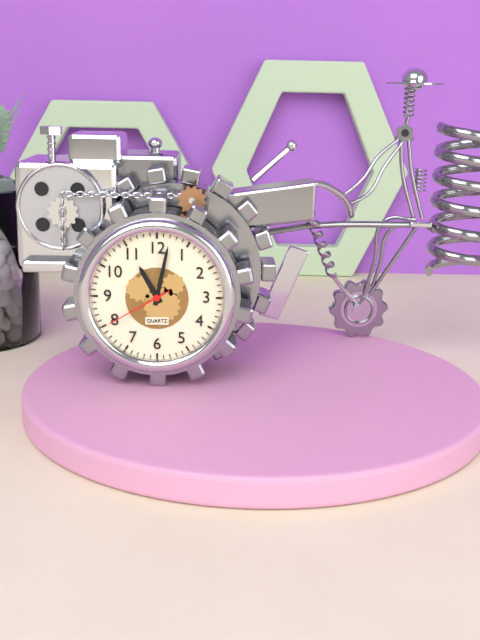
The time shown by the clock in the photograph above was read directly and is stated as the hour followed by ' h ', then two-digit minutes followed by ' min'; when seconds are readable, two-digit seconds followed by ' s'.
11 h 02 min 40 s
